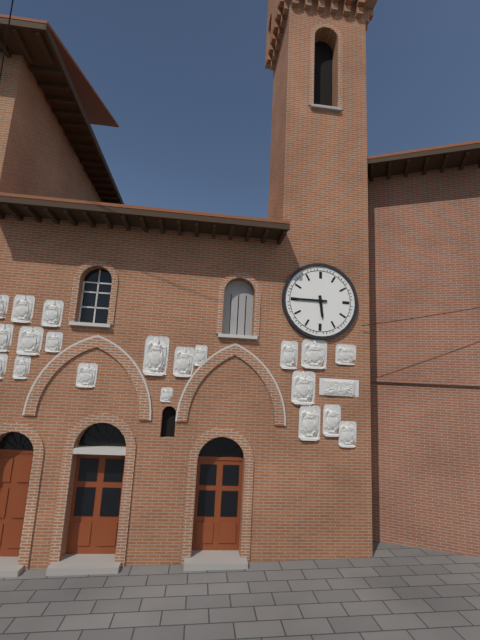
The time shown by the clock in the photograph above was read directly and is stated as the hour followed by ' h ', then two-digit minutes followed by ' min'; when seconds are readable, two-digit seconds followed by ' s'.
5 h 45 min
